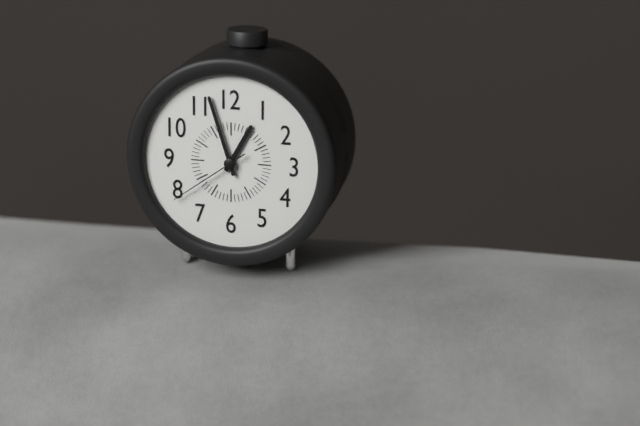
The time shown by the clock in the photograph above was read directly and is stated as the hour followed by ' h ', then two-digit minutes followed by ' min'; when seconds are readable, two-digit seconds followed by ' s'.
12 h 57 min 39 s
